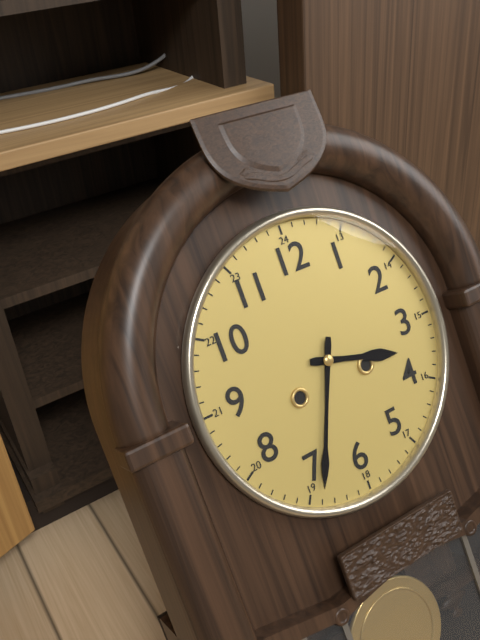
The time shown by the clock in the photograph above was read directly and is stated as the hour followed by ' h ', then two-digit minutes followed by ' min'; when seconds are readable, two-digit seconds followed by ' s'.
3 h 34 min
